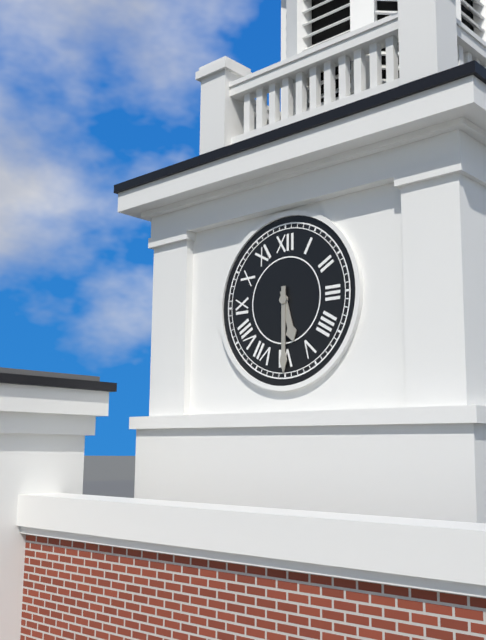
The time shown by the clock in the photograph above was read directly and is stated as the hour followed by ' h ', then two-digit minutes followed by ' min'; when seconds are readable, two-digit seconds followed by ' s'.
5 h 30 min
